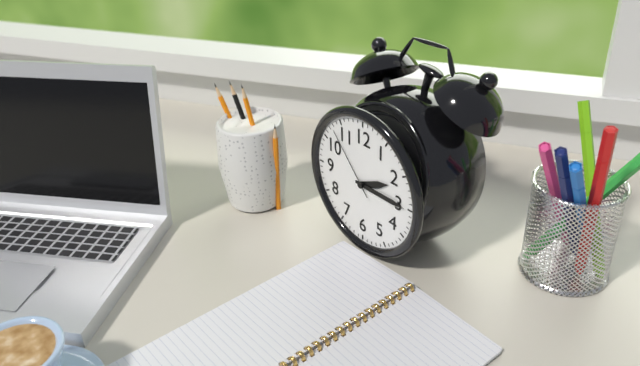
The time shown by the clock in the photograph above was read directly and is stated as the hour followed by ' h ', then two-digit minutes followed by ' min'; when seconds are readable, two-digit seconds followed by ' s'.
2 h 15 min 53 s
